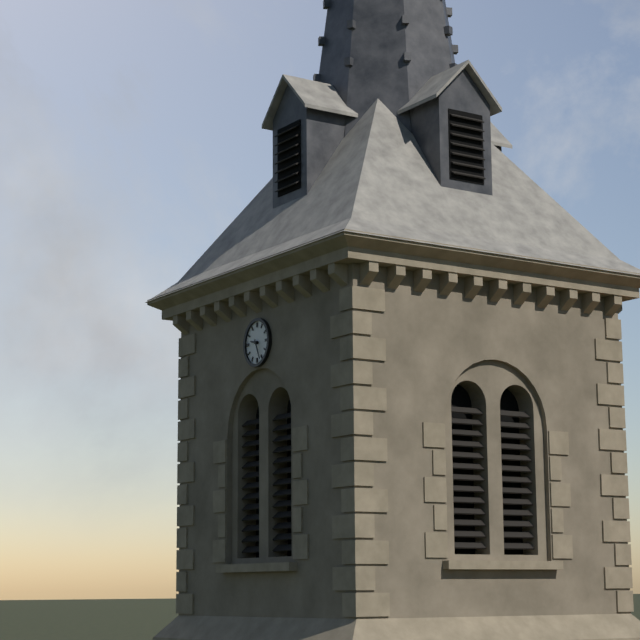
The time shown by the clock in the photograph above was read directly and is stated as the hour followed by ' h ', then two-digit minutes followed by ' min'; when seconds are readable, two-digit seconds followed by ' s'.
9 h 26 min
